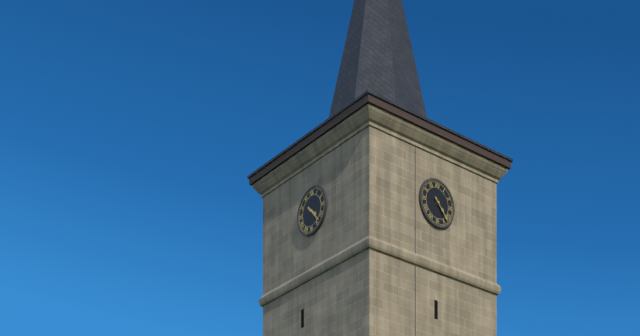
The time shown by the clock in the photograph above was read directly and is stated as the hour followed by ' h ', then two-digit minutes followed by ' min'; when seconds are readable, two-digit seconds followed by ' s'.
4 h 23 min
